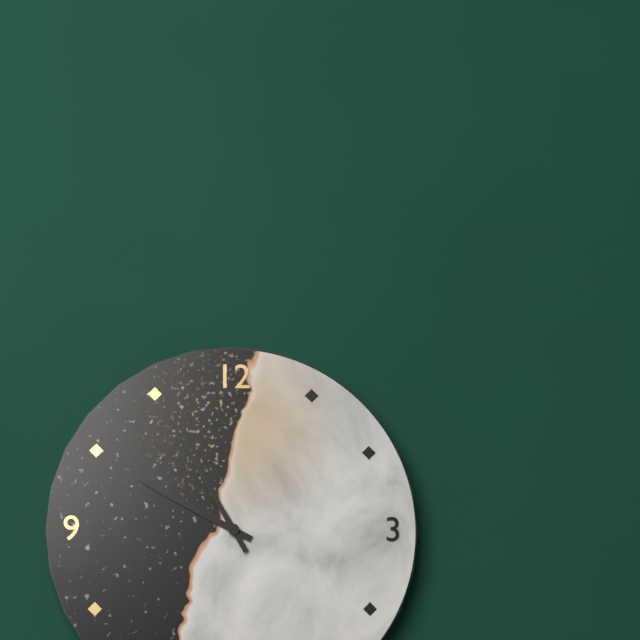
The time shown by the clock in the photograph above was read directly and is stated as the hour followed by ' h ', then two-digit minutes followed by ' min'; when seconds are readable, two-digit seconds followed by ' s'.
9 h 55 min
